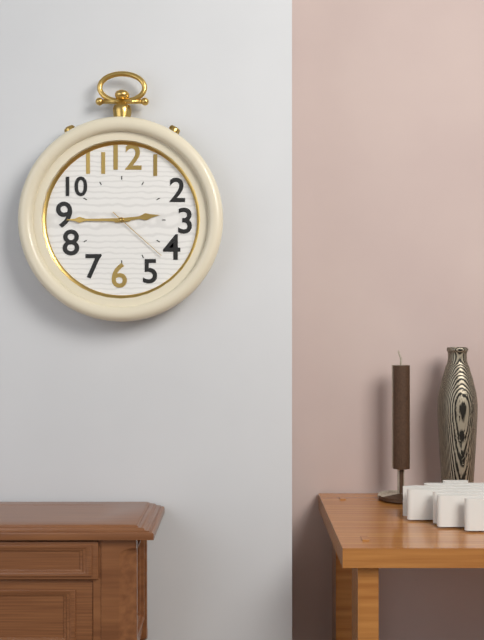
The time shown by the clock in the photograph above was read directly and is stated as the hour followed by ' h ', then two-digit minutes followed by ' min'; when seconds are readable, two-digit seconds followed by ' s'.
2 h 45 min 22 s
